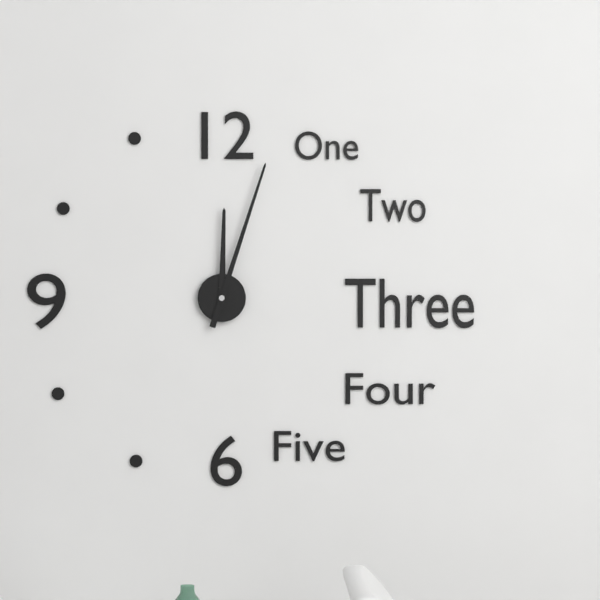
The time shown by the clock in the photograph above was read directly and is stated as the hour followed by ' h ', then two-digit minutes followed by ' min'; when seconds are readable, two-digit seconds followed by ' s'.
12 h 03 min
